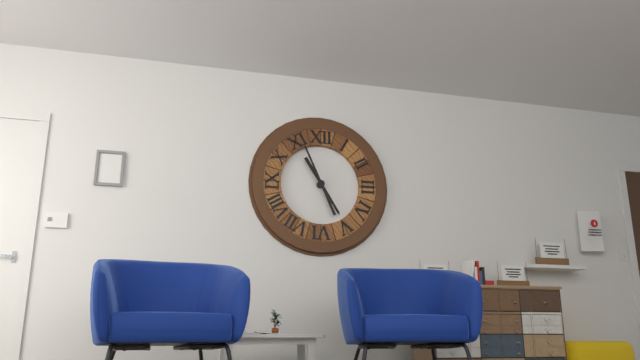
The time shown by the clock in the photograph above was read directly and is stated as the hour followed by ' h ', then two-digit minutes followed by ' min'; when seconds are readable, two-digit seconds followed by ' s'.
4 h 56 min
